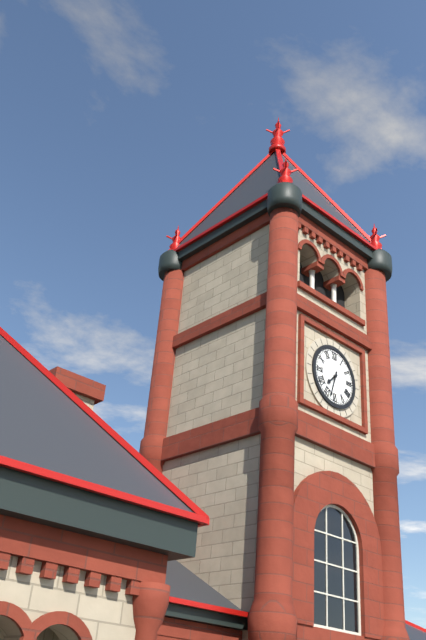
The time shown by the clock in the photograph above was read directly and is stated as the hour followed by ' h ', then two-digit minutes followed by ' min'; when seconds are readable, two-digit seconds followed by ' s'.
7 h 33 min
